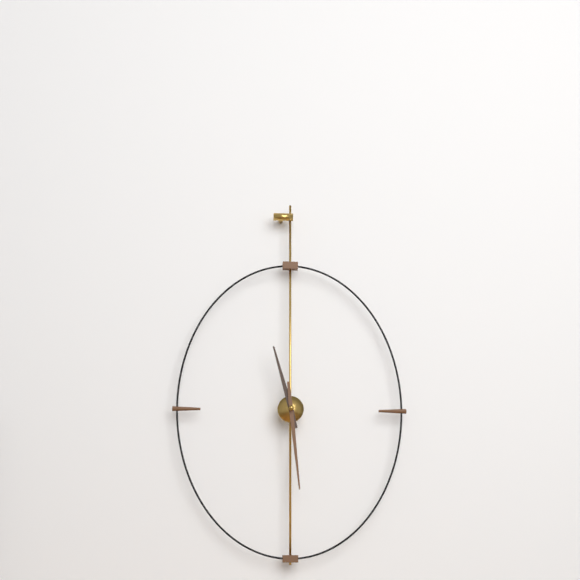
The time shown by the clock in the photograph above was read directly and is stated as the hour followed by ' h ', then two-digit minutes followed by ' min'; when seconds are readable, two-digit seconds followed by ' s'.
11 h 29 min
